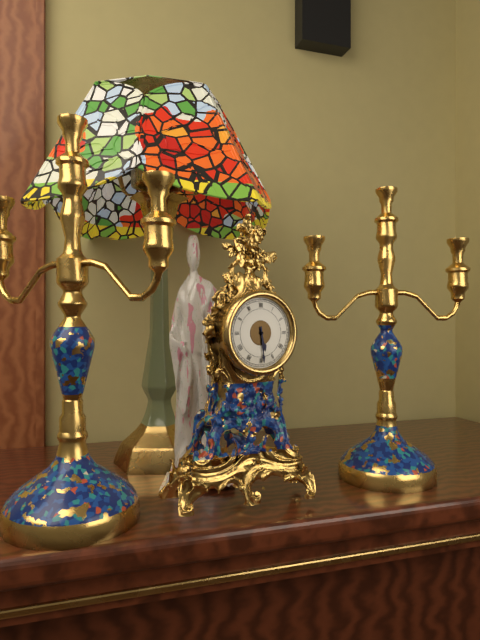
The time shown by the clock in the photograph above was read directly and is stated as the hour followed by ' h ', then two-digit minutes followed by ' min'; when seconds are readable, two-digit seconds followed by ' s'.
5 h 29 min
